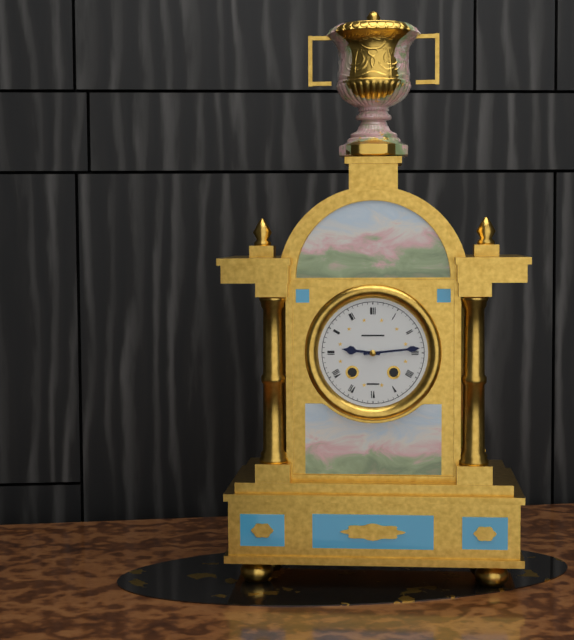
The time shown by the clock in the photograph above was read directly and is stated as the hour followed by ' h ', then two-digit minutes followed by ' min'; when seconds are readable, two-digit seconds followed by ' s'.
9 h 14 min
